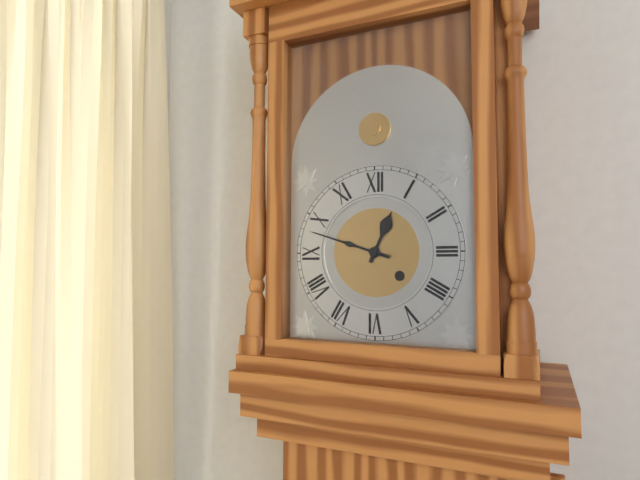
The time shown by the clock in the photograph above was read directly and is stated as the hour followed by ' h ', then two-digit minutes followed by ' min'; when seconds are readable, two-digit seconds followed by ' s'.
12 h 48 min
